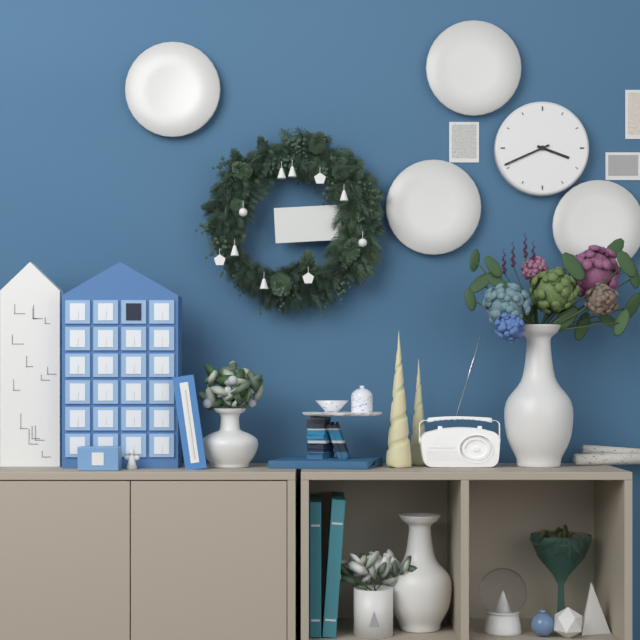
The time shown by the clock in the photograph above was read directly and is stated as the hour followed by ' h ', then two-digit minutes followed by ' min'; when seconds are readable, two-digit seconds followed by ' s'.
3 h 41 min
